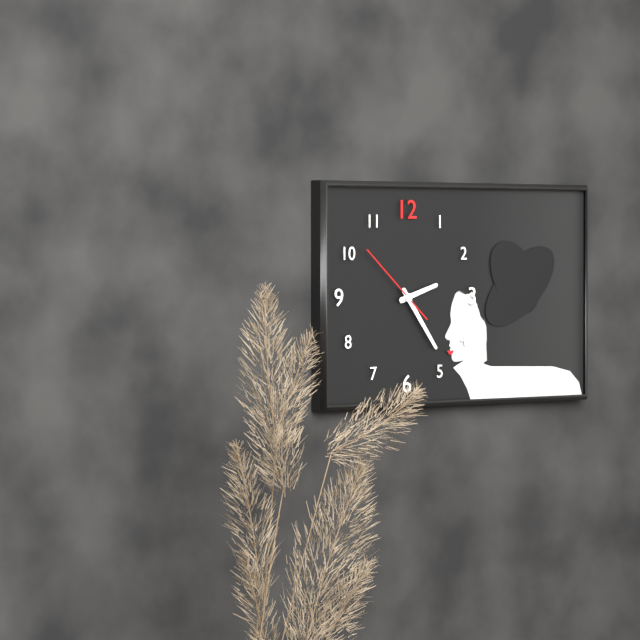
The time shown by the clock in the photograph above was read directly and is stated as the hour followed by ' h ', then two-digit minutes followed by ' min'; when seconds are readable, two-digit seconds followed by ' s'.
2 h 24 min 52 s
